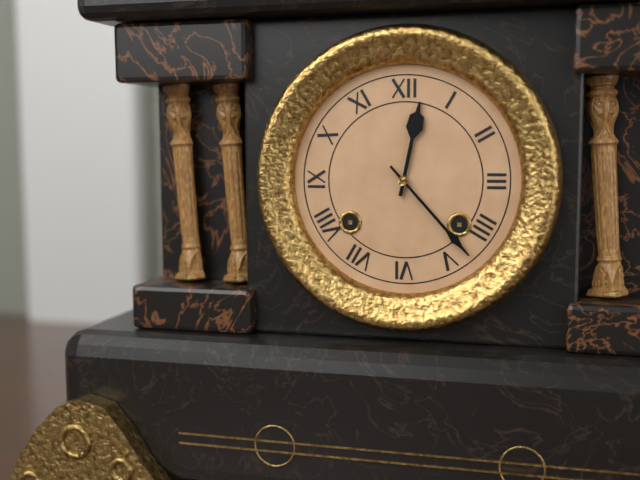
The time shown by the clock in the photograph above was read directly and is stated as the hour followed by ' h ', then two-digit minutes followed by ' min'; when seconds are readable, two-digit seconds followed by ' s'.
12 h 23 min
